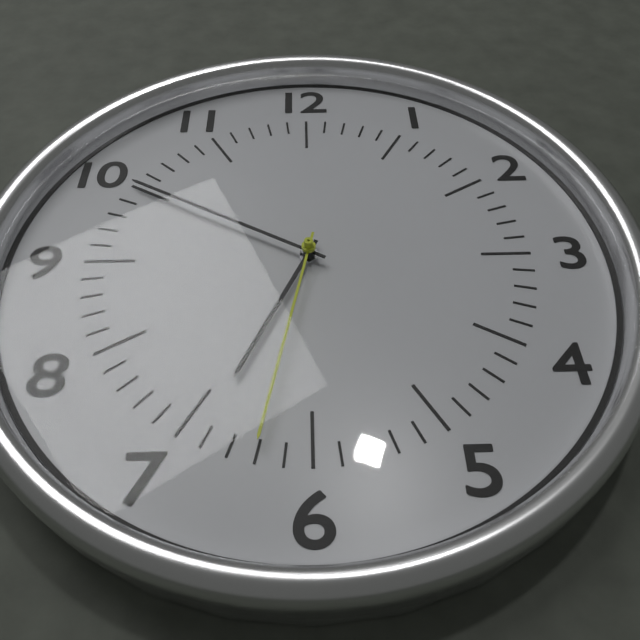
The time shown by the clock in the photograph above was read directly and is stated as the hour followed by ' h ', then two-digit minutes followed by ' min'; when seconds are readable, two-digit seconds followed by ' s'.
6 h 50 min 32 s
